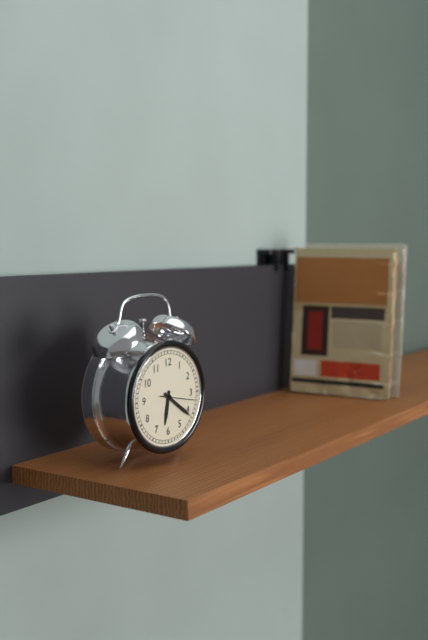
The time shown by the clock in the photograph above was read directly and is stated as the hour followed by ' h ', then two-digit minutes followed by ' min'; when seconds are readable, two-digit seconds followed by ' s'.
6 h 21 min
